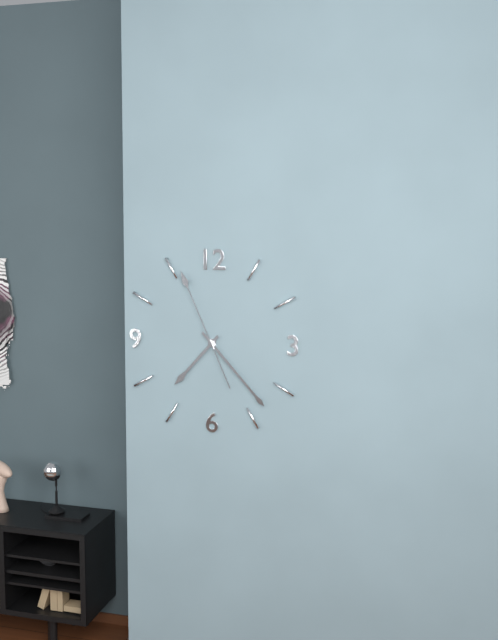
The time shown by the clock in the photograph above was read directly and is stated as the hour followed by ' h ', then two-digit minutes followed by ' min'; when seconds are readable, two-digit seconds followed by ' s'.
7 h 23 min 56 s
